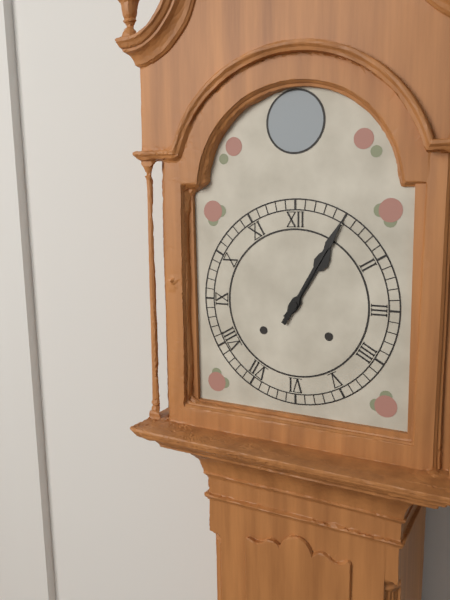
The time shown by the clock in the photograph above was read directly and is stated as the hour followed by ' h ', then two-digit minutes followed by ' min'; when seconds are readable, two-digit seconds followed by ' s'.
1 h 05 min
